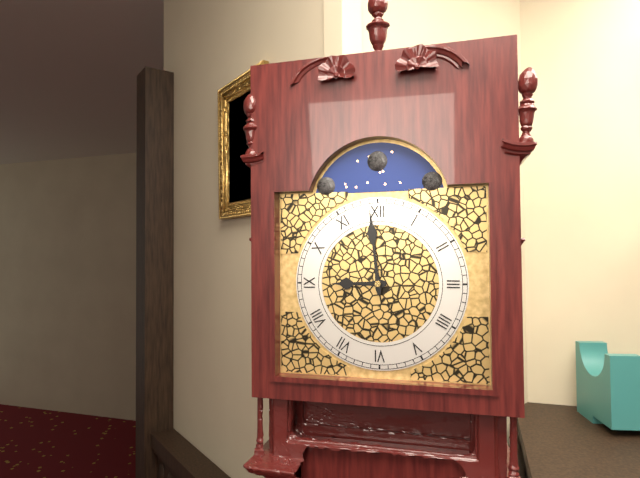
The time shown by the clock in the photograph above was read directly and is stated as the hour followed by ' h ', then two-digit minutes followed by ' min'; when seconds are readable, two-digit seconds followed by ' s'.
8 h 59 min
